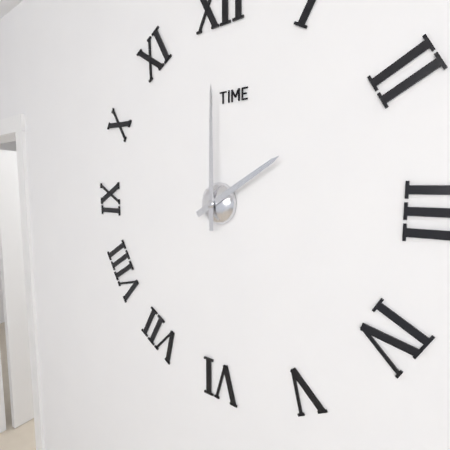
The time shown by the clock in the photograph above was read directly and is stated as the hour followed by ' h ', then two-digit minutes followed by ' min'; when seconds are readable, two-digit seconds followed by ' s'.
2 h 00 min
